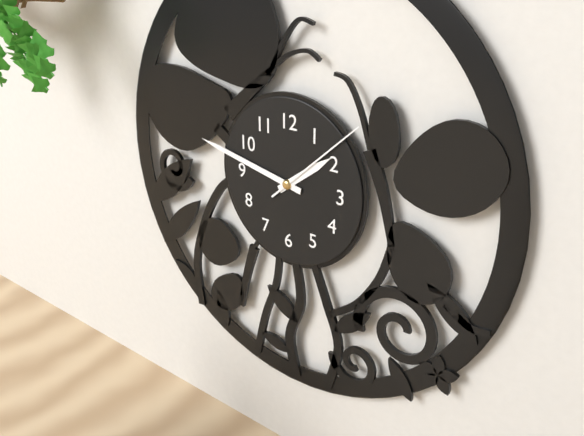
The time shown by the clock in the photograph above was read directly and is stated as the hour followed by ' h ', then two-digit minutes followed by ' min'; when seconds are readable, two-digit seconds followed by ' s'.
1 h 47 min 08 s
